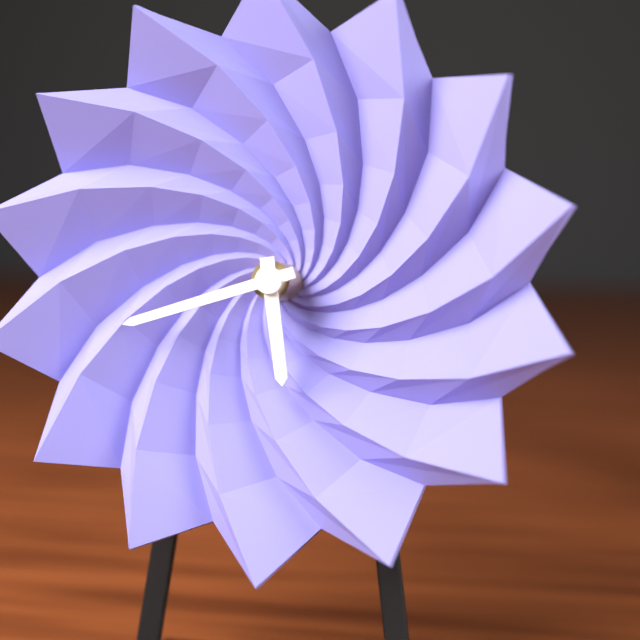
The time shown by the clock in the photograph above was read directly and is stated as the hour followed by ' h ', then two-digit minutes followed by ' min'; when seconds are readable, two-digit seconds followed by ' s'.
5 h 42 min
